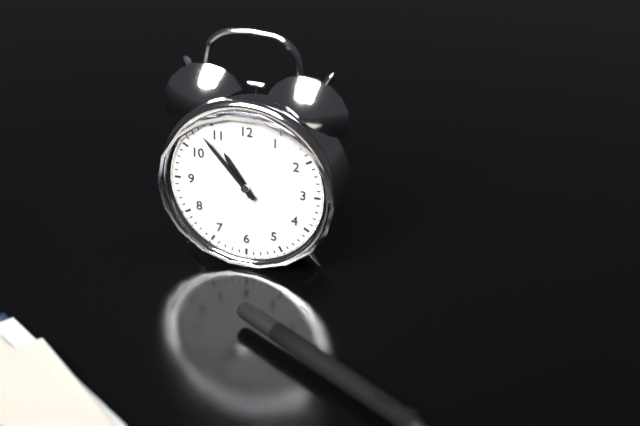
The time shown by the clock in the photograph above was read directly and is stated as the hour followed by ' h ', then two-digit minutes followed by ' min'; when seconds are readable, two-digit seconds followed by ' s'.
10 h 53 min
